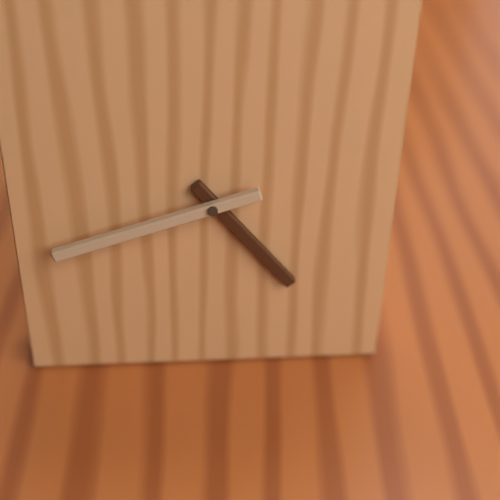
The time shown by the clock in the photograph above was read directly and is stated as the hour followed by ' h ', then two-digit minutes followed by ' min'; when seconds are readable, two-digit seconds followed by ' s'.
4 h 42 min
